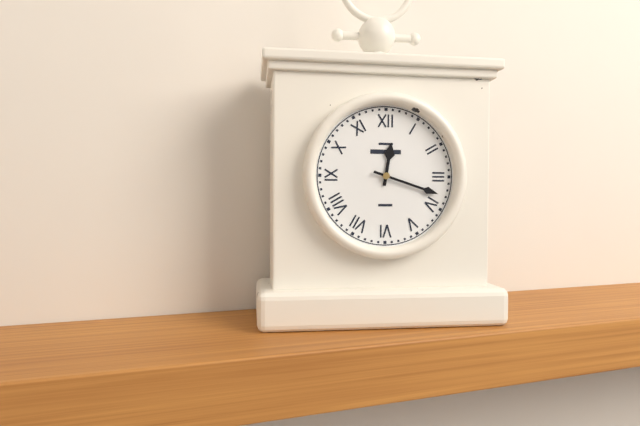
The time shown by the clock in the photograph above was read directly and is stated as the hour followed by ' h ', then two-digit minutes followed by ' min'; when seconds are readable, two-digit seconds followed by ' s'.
12 h 18 min
